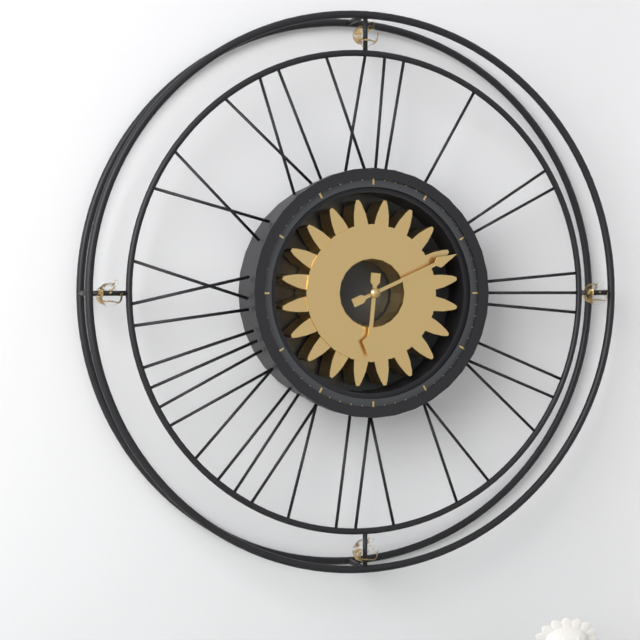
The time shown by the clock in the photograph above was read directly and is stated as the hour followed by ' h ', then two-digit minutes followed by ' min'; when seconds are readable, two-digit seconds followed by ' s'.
6 h 11 min
